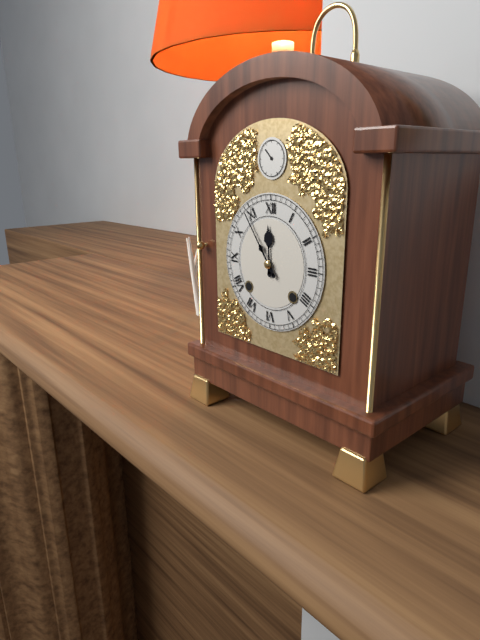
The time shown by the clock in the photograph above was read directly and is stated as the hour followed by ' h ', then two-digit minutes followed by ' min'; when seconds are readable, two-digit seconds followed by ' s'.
11 h 54 min
